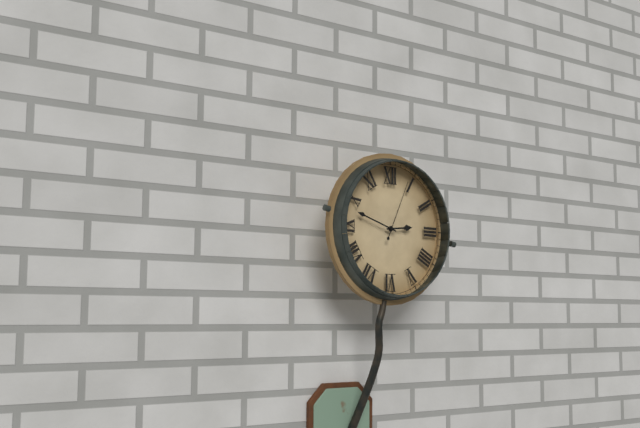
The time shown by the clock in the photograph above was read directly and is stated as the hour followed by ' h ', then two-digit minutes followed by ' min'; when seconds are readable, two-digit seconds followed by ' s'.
2 h 48 min 04 s
